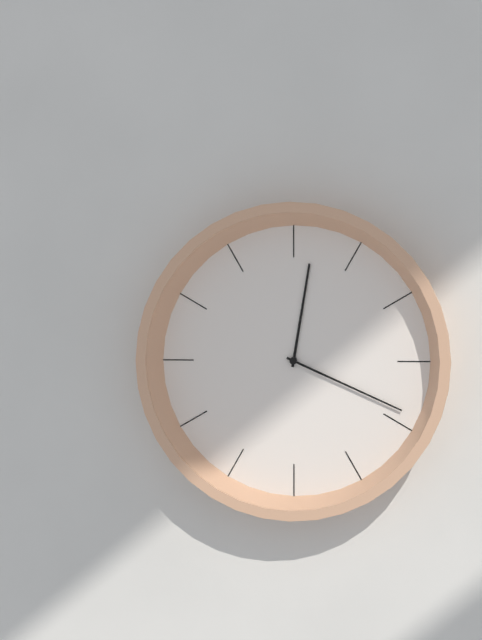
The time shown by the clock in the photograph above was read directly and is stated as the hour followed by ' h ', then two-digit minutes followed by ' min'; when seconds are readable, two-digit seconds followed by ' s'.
12 h 19 min
